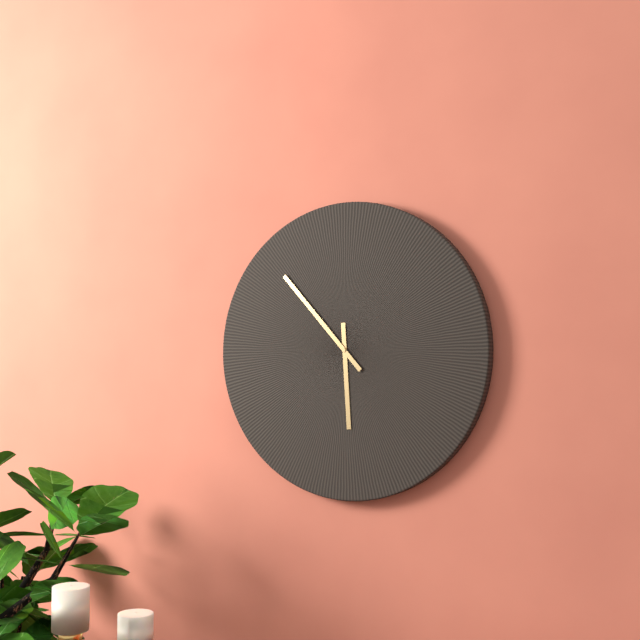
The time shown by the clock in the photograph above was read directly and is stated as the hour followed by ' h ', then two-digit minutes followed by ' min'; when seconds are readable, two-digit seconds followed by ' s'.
5 h 53 min
